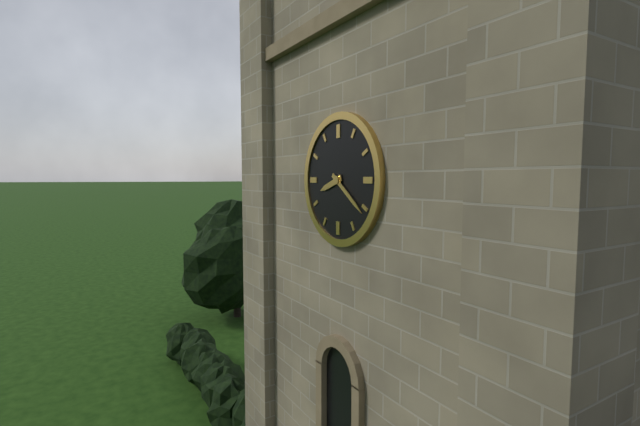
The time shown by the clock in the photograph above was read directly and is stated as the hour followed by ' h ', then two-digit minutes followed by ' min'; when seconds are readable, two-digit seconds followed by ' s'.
8 h 21 min
